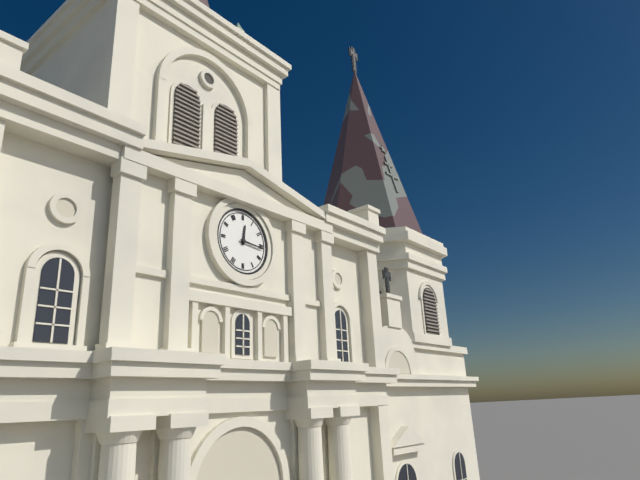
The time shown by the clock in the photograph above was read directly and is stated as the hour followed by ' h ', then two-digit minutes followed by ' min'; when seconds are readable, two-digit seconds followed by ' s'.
12 h 16 min
